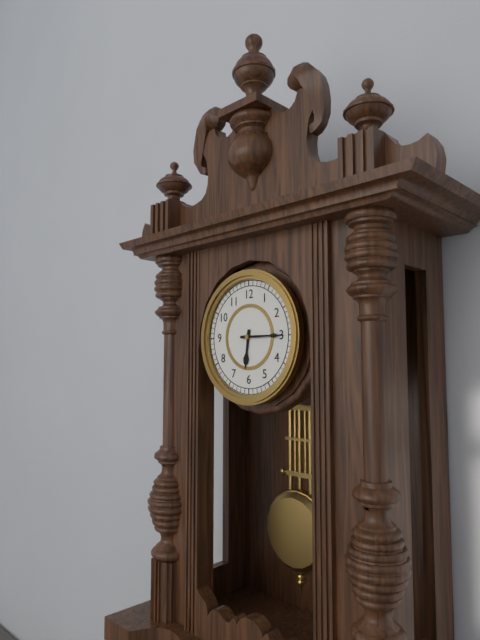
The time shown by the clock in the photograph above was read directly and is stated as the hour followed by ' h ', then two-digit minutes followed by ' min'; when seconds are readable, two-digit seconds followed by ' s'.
6 h 15 min
